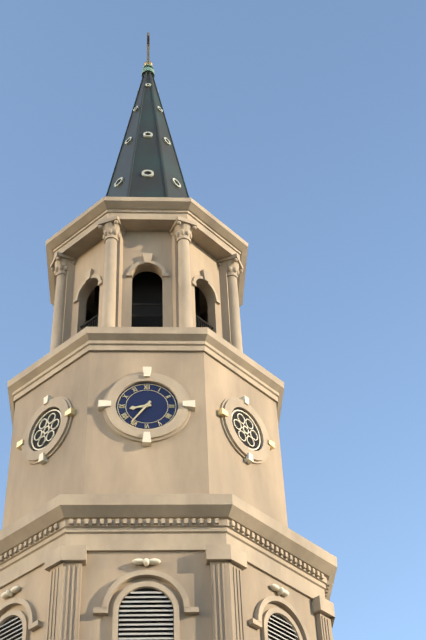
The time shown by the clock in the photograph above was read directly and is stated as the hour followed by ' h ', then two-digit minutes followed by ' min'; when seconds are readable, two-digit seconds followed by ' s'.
8 h 36 min
